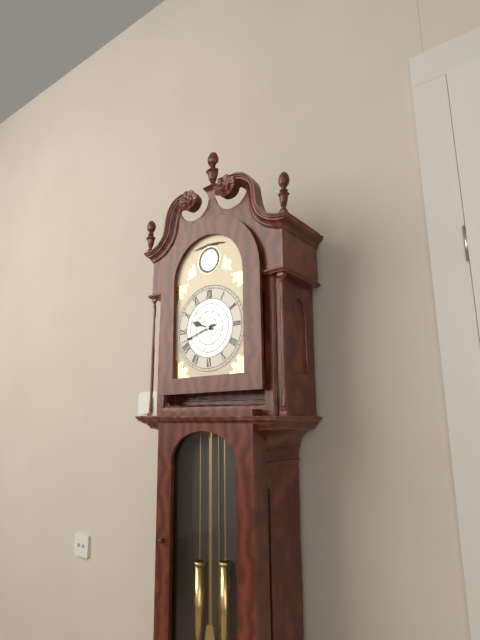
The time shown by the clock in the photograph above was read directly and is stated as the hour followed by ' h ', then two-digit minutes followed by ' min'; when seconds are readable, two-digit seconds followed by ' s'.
9 h 42 min
